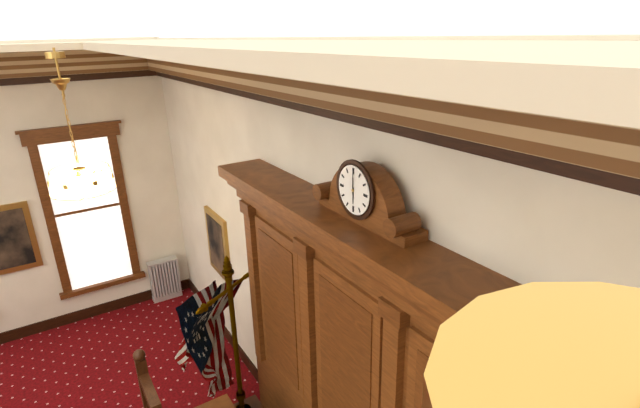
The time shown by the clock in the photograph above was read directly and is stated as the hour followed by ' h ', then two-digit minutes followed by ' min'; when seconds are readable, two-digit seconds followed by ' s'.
6 h 00 min
